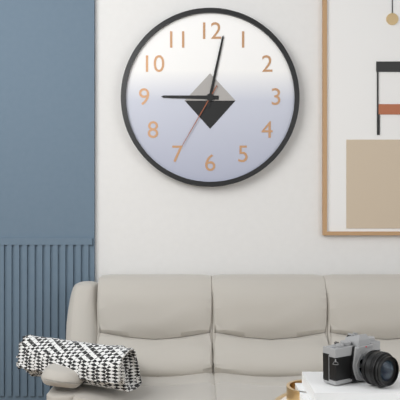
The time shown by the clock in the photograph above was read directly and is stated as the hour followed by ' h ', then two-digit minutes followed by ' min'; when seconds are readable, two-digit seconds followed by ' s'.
9 h 02 min 35 s
